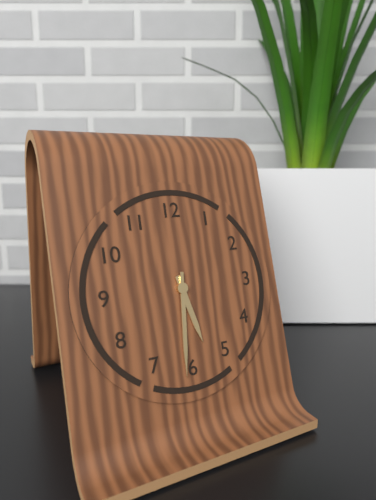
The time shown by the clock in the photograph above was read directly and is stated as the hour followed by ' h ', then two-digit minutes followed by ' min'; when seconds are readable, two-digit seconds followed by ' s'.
5 h 31 min
